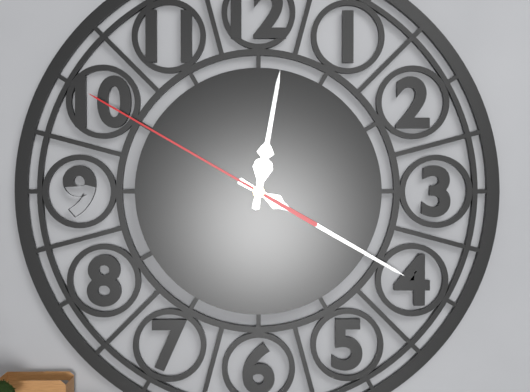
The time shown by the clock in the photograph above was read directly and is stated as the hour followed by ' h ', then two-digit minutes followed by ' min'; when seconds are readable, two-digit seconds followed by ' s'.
12 h 20 min 50 s
